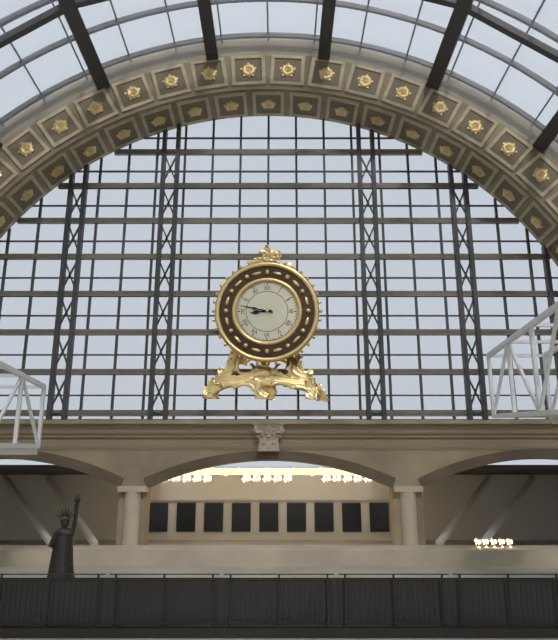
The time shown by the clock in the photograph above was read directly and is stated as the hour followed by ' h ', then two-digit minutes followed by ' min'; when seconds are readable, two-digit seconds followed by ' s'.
8 h 47 min
